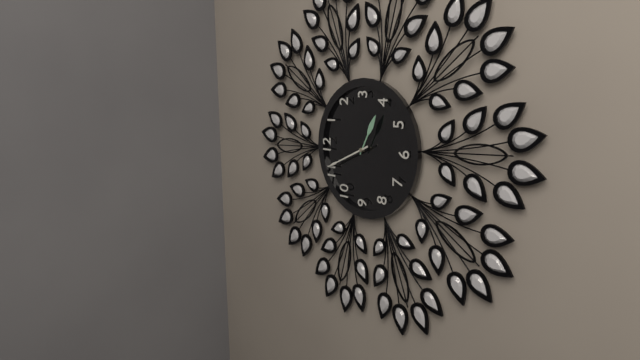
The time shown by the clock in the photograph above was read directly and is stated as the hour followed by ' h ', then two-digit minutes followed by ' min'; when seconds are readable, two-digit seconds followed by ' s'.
3 h 56 min
